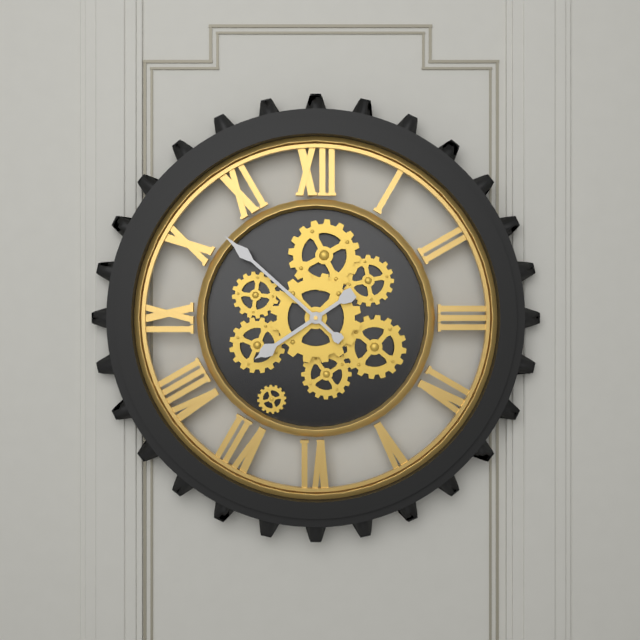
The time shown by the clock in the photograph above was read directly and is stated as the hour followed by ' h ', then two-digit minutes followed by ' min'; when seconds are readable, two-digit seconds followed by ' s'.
7 h 52 min
